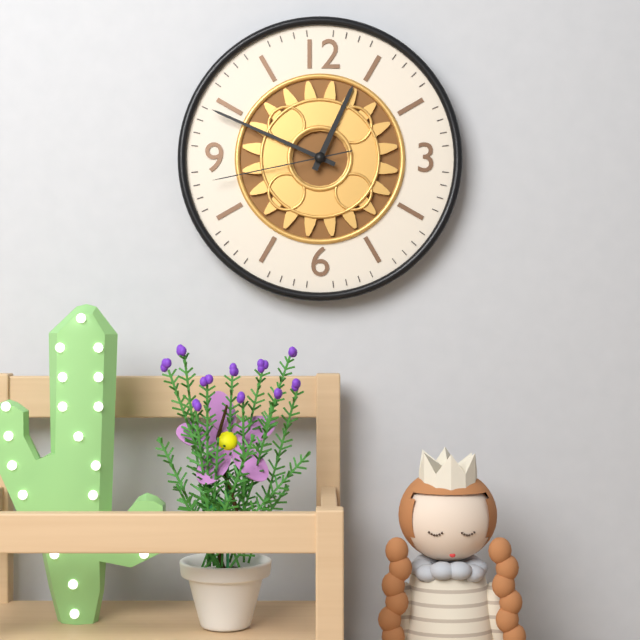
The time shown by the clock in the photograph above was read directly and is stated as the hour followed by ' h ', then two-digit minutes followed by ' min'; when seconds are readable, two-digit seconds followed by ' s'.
12 h 49 min 43 s
